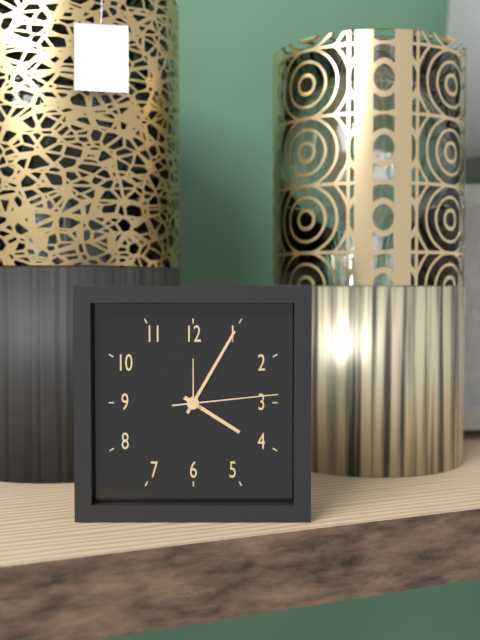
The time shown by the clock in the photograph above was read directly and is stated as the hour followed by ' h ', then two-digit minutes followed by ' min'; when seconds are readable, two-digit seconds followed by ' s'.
4 h 05 min 14 s
